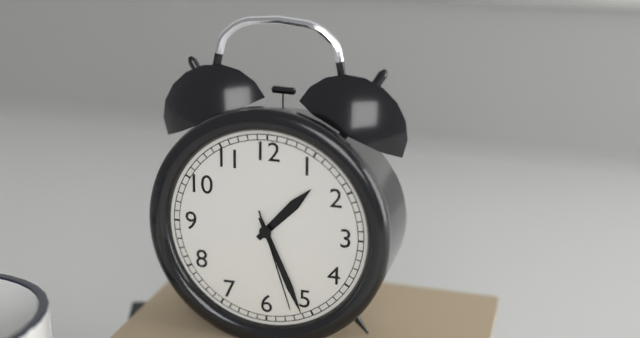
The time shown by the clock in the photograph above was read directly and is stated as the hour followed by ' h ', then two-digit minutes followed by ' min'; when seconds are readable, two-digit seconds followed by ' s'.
1 h 26 min 27 s
